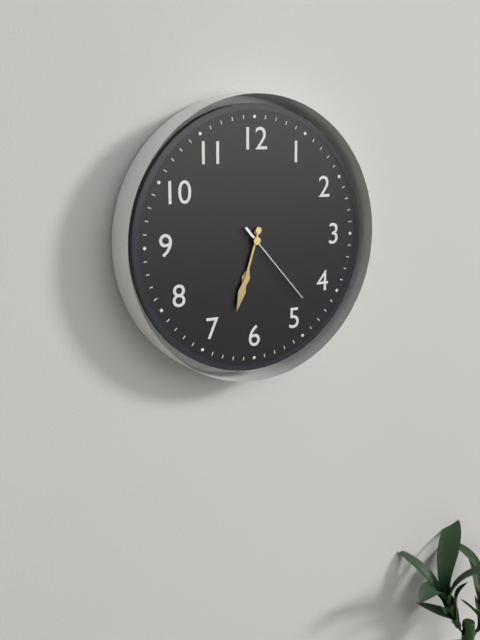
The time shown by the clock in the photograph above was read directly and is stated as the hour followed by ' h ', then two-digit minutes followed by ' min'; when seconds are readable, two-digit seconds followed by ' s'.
6 h 33 min 23 s
